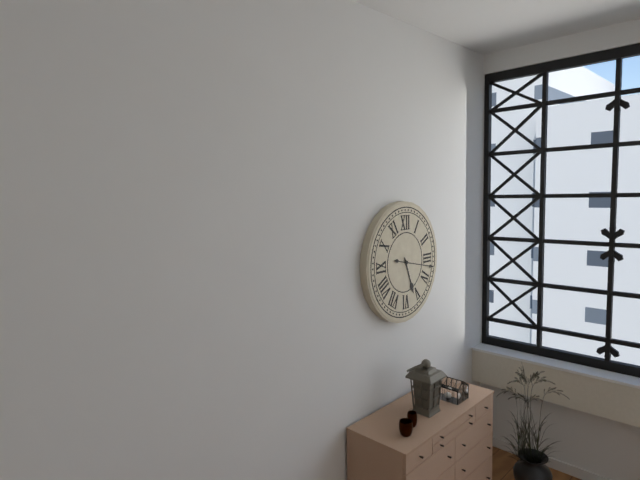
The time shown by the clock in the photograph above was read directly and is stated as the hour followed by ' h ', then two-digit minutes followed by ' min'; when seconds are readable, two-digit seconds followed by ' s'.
5 h 17 min
